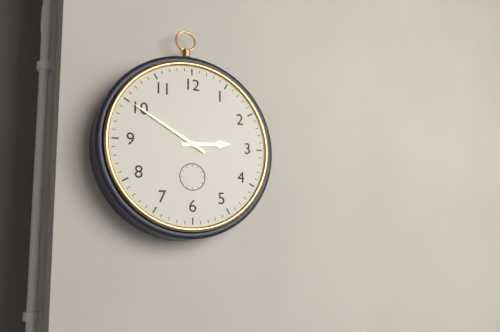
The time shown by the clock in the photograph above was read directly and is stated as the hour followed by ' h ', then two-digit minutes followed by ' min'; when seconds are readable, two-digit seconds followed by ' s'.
2 h 50 min
